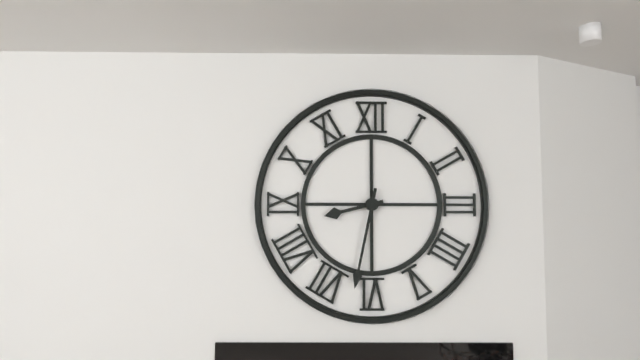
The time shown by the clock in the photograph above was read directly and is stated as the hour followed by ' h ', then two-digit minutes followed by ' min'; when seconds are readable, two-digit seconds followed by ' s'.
8 h 32 min
